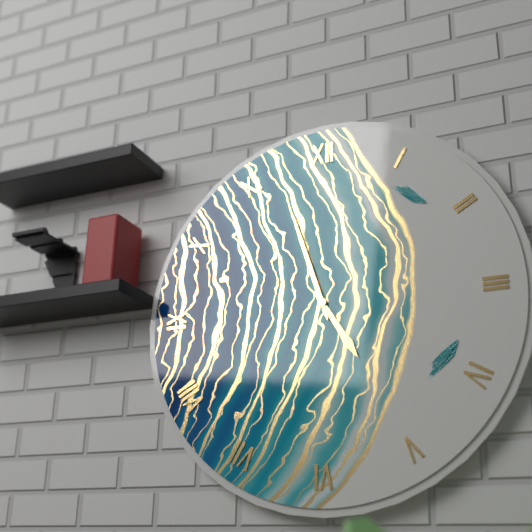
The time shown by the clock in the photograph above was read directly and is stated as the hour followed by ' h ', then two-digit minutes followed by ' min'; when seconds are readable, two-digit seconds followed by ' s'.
4 h 57 min
